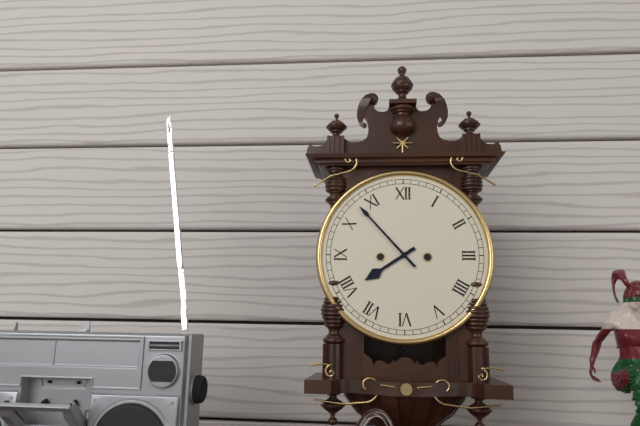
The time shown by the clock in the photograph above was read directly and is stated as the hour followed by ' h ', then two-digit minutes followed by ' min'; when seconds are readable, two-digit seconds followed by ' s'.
7 h 53 min
